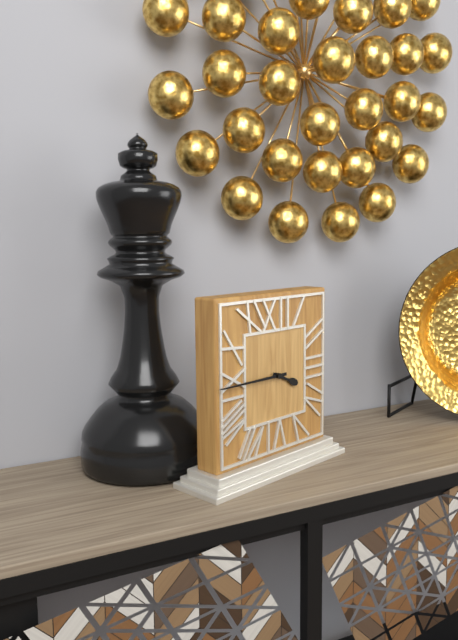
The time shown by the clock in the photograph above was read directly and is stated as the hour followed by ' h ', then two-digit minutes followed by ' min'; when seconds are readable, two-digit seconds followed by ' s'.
3 h 45 min
